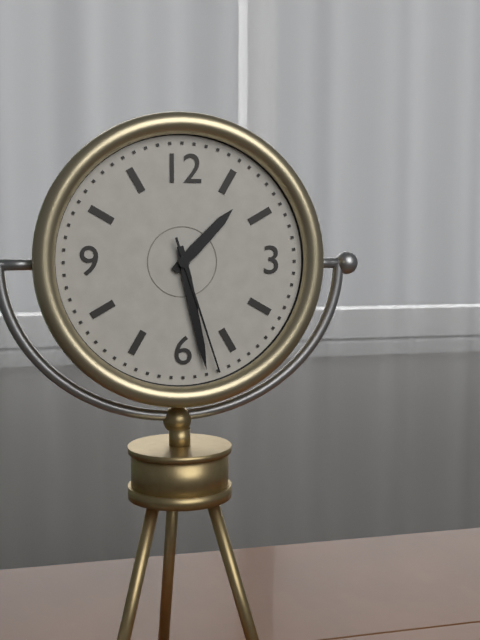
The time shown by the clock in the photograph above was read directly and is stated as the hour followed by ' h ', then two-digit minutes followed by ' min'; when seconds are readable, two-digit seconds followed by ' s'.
1 h 28 min 27 s
